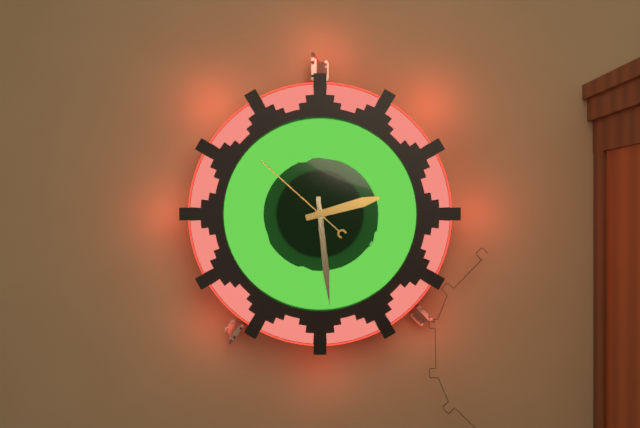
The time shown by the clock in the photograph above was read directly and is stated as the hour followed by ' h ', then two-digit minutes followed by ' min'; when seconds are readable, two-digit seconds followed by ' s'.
2 h 29 min 52 s
